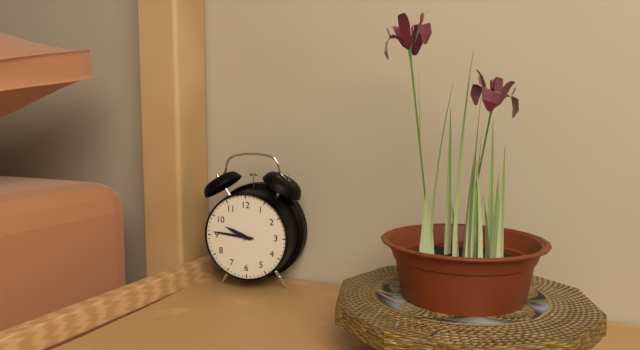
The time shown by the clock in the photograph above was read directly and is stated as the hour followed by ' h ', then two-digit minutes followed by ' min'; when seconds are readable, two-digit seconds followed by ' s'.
9 h 46 min
